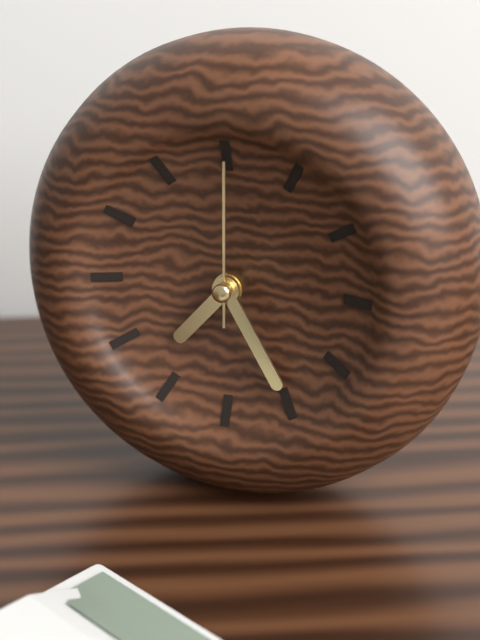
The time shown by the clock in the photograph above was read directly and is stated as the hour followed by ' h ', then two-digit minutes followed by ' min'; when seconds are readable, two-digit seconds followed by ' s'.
7 h 25 min 00 s
